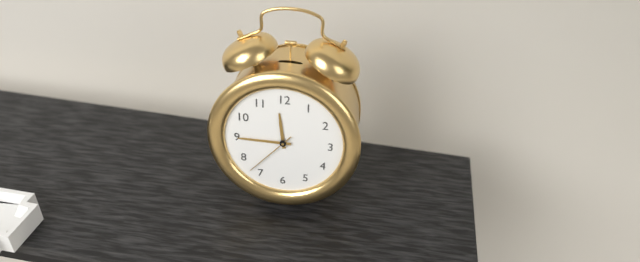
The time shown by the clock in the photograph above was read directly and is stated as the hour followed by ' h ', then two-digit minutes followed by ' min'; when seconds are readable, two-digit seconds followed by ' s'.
11 h 45 min 37 s
